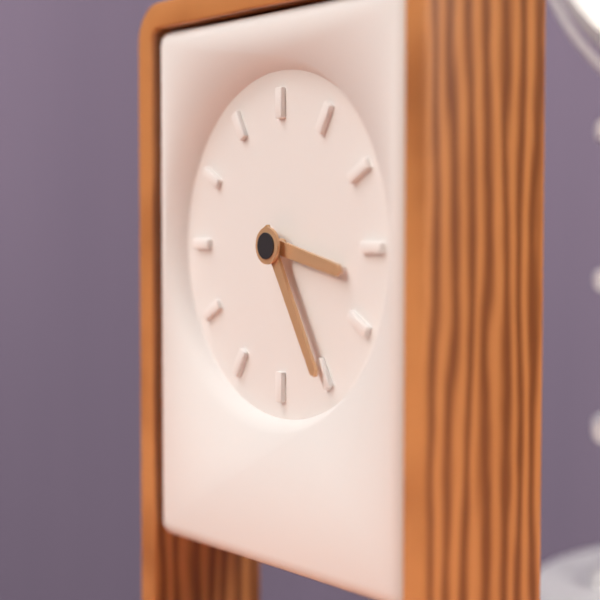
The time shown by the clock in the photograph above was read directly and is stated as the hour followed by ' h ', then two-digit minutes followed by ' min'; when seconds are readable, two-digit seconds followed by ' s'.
3 h 25 min
